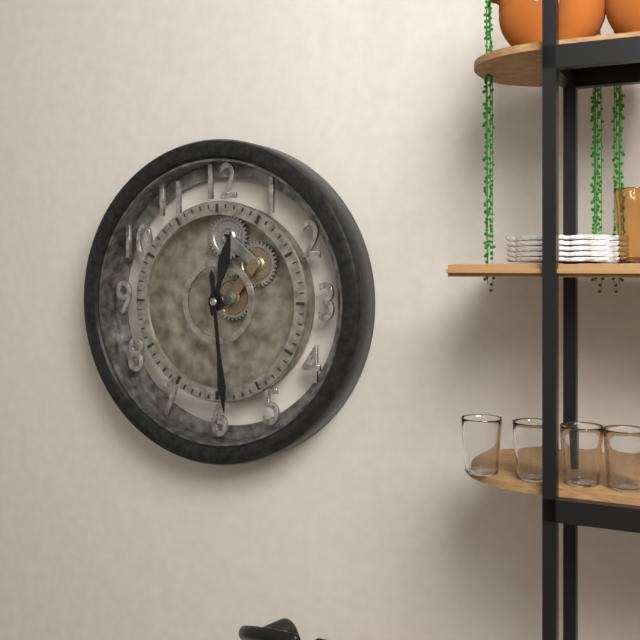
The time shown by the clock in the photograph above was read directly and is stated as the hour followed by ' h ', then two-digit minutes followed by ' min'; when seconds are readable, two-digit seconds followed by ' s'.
12 h 29 min
